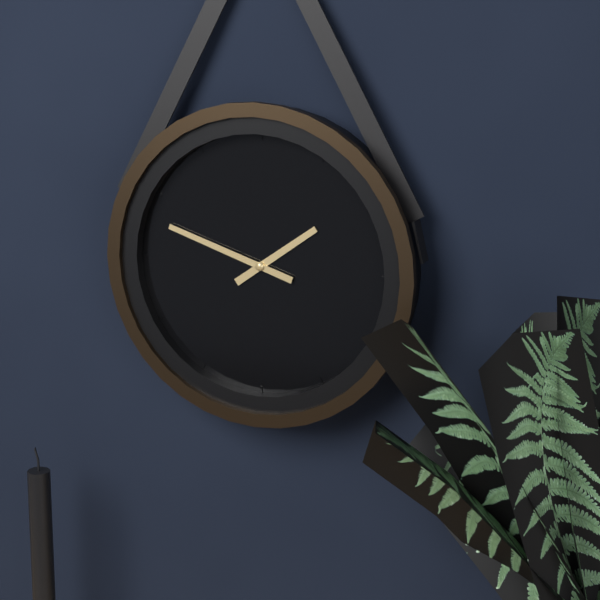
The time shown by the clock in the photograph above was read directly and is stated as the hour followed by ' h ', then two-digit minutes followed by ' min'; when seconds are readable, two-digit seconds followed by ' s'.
1 h 48 min
